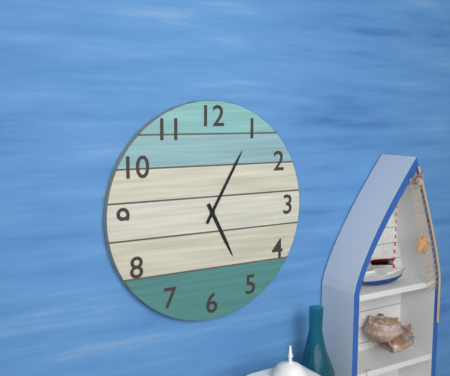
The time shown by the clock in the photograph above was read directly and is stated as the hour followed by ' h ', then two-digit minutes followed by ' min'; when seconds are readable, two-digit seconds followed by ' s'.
5 h 05 min
